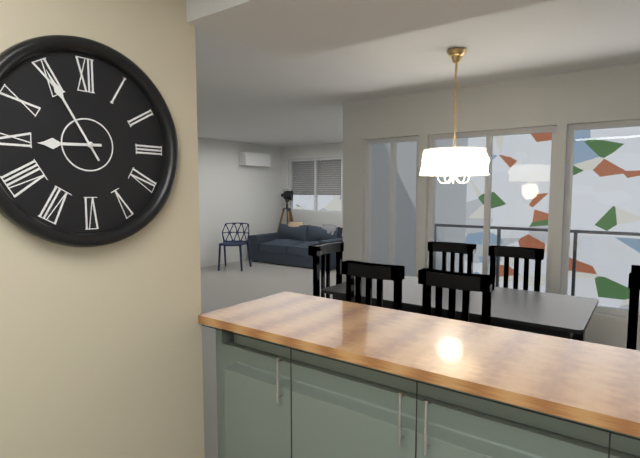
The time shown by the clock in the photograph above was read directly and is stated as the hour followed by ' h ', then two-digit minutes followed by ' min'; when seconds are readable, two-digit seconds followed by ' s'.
8 h 55 min
